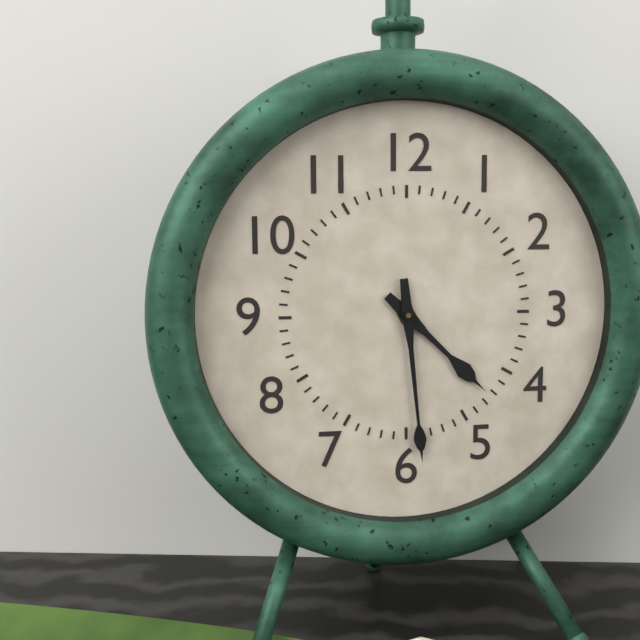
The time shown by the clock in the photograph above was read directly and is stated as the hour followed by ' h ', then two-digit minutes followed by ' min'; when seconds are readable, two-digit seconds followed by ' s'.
4 h 29 min
